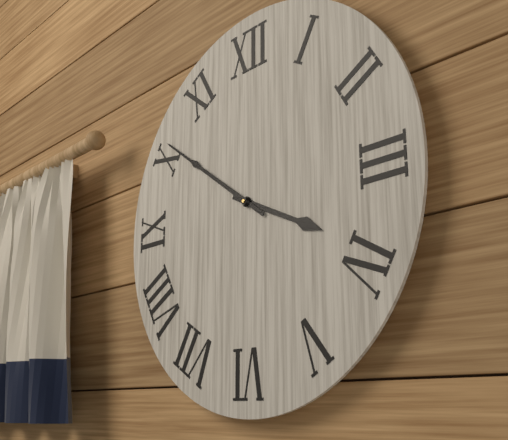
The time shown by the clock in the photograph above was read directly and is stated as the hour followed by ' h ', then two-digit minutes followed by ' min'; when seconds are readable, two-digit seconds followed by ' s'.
3 h 51 min
